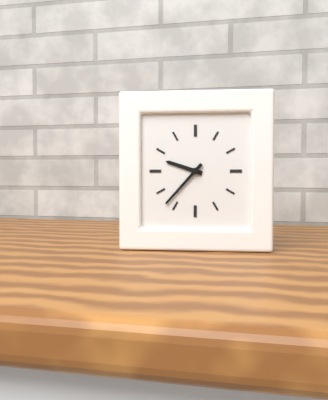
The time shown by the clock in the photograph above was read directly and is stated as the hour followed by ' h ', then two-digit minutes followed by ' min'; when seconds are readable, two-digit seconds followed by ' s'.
9 h 37 min
